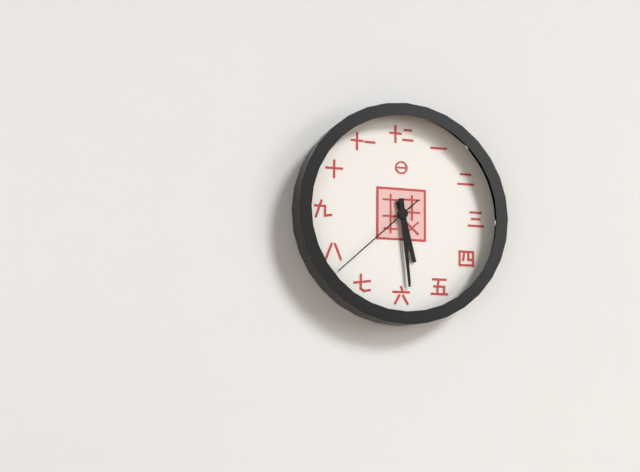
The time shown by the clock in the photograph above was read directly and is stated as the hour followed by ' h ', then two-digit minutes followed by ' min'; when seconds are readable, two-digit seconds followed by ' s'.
5 h 29 min 38 s
